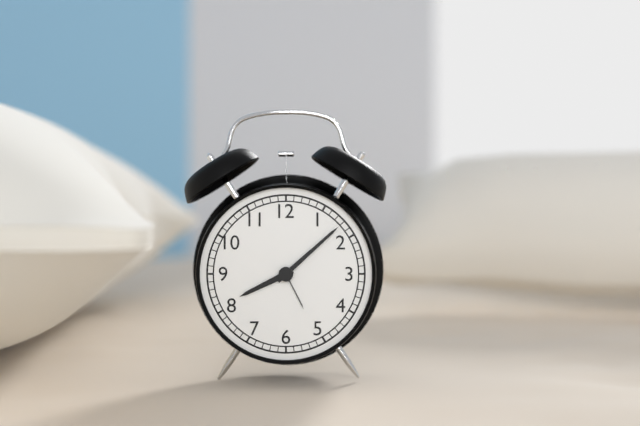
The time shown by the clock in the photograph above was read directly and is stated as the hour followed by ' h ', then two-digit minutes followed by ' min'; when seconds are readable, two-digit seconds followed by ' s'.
8 h 08 min
